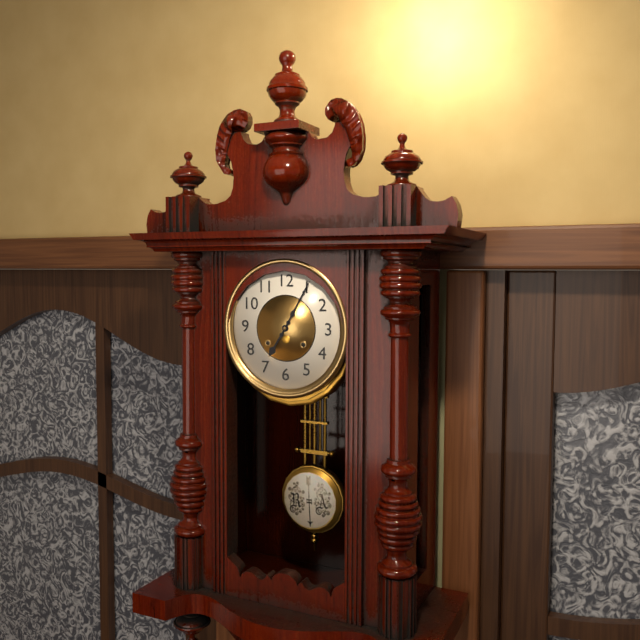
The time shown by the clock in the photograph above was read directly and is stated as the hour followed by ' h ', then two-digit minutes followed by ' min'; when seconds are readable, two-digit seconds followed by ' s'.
7 h 05 min
